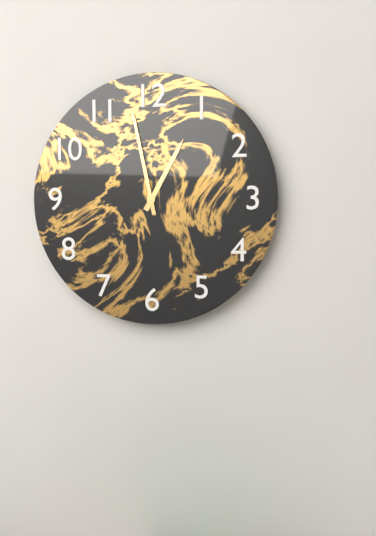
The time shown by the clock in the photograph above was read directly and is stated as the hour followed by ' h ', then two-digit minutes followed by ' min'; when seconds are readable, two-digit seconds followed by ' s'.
12 h 58 min
